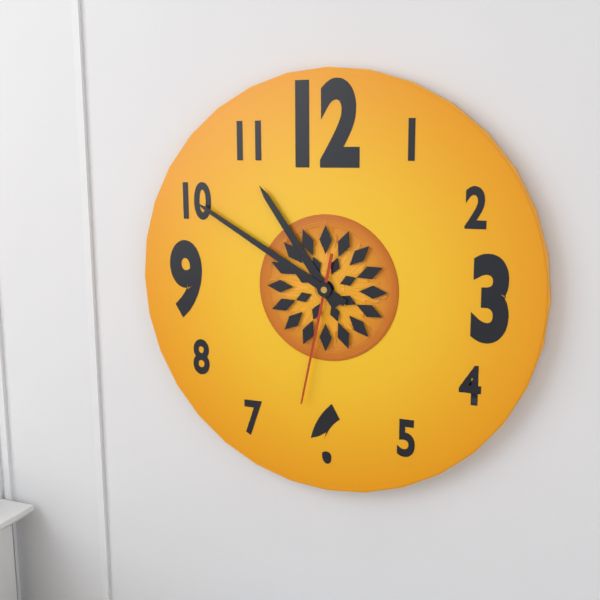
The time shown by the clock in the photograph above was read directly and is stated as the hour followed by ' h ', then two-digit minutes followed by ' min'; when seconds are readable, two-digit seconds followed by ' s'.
10 h 50 min 32 s
